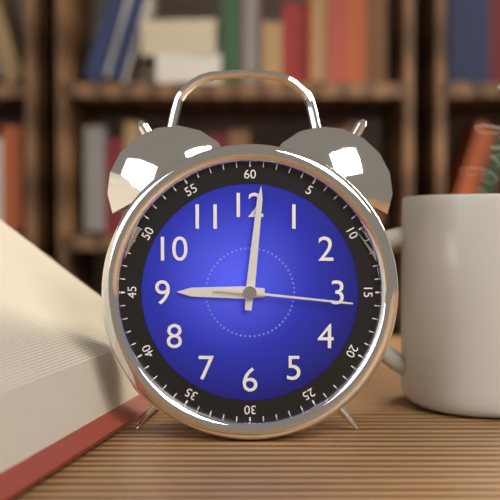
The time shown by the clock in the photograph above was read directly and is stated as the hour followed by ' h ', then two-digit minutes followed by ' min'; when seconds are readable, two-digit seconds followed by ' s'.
9 h 01 min 16 s
